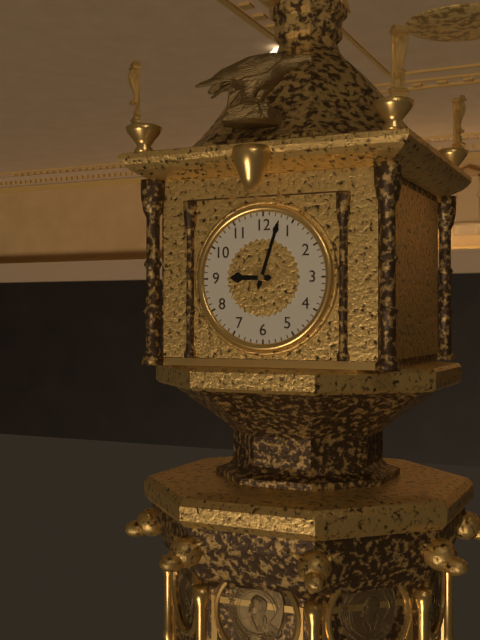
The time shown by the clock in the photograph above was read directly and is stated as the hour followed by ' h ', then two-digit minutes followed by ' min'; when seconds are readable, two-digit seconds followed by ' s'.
9 h 03 min
